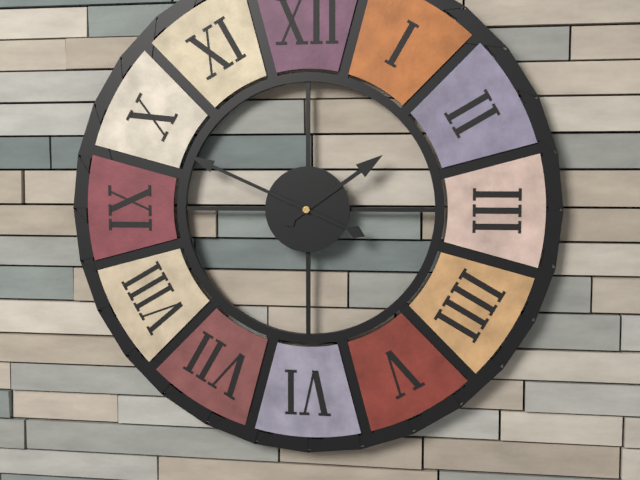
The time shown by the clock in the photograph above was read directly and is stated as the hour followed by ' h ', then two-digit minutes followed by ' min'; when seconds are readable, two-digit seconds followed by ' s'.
1 h 49 min
